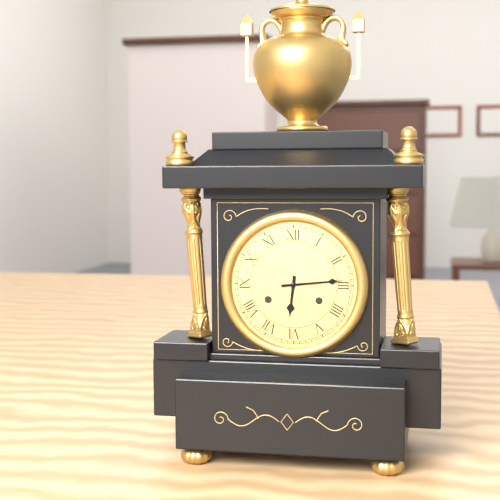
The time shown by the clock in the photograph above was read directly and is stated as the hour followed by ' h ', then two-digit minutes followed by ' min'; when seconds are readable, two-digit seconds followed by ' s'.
6 h 14 min
